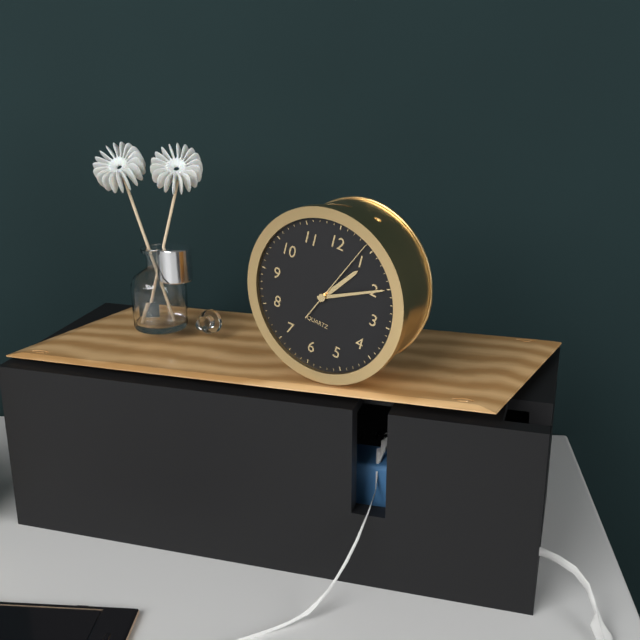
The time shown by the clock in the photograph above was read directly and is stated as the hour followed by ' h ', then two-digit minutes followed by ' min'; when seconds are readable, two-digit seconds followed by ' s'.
1 h 10 min 04 s
